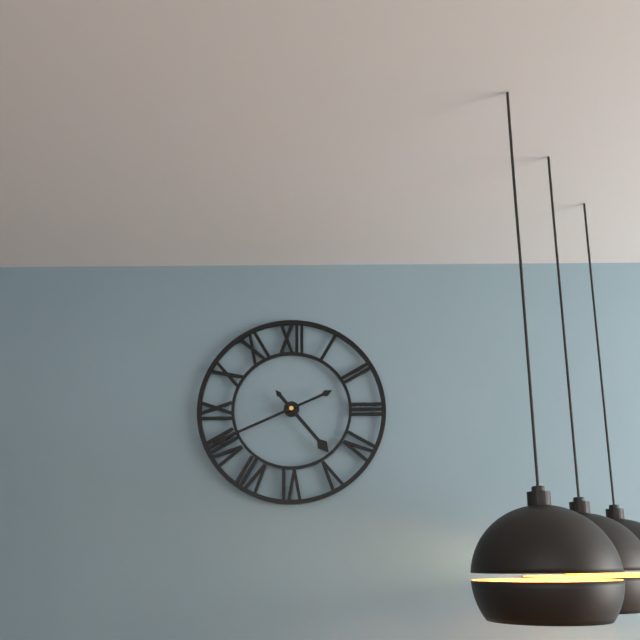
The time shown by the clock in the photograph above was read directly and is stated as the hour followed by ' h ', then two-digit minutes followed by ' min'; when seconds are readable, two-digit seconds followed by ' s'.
4 h 41 min
